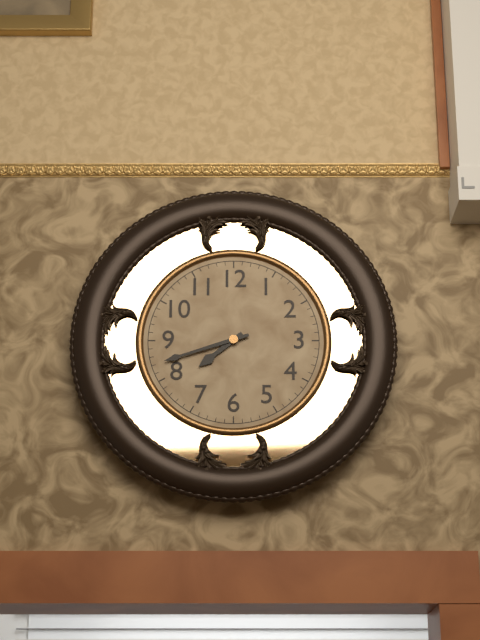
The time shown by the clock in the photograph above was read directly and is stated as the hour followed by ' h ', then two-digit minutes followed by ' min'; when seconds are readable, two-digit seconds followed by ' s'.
7 h 42 min
